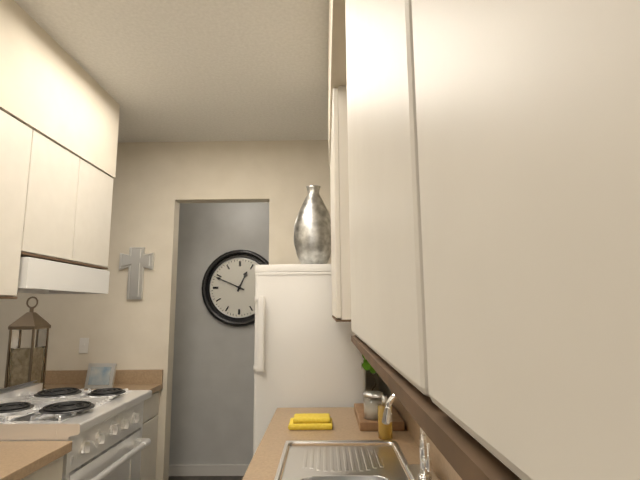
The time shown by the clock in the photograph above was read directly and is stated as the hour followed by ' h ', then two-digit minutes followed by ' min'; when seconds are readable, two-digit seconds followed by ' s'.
12 h 49 min
